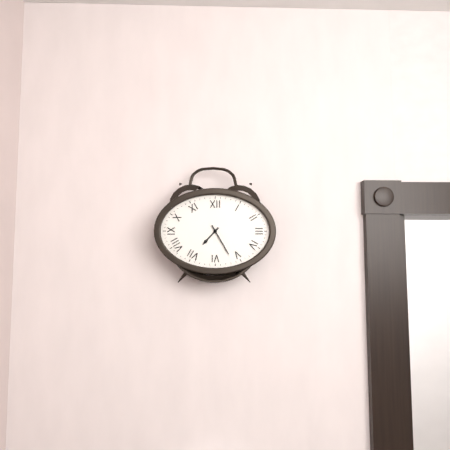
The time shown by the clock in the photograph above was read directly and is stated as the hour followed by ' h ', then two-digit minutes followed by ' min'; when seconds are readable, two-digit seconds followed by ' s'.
7 h 25 min
